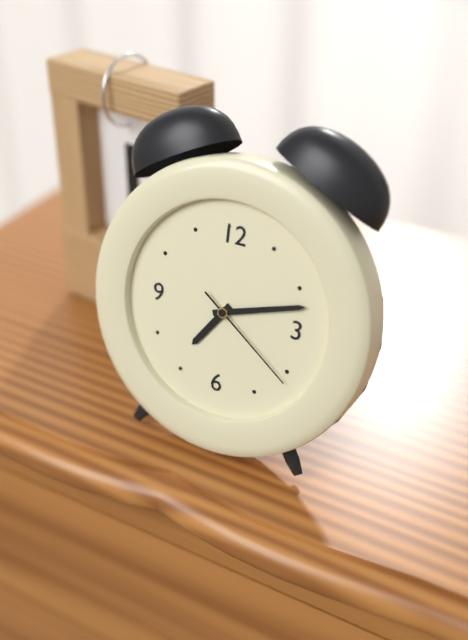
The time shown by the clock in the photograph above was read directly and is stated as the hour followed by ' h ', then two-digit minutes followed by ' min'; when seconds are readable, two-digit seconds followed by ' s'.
7 h 12 min 21 s
